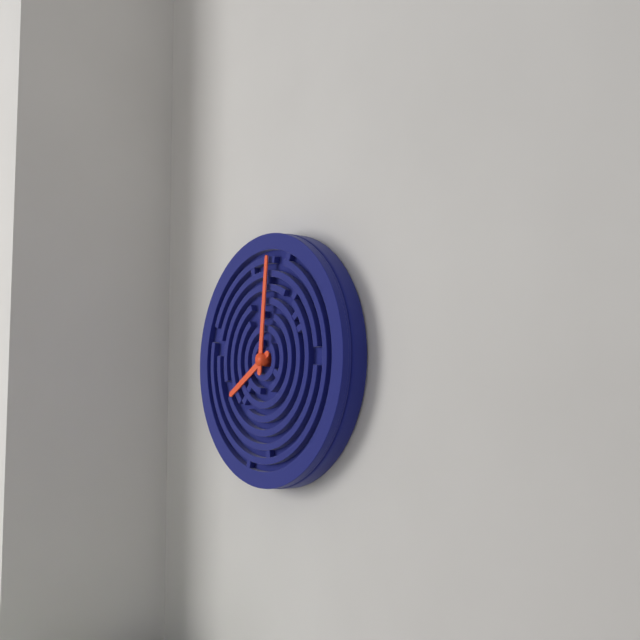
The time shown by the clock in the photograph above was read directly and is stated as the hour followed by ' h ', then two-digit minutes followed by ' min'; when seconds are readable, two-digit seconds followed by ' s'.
8 h 01 min
